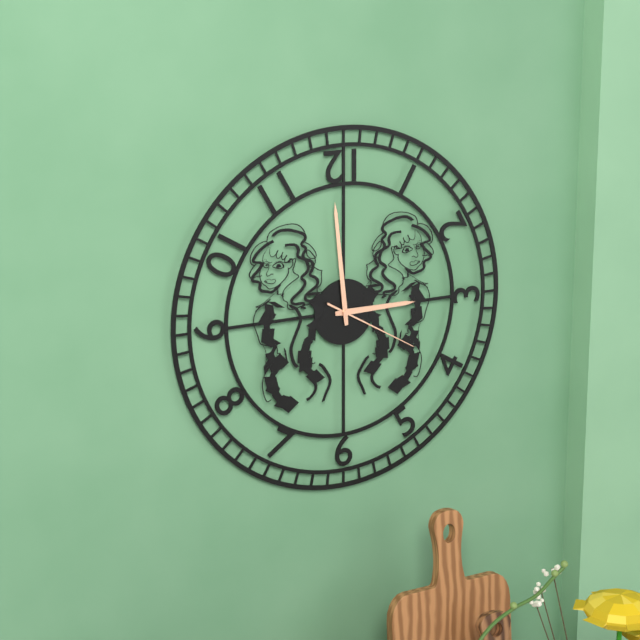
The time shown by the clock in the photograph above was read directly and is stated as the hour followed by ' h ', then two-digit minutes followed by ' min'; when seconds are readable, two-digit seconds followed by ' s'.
2 h 59 min 20 s
